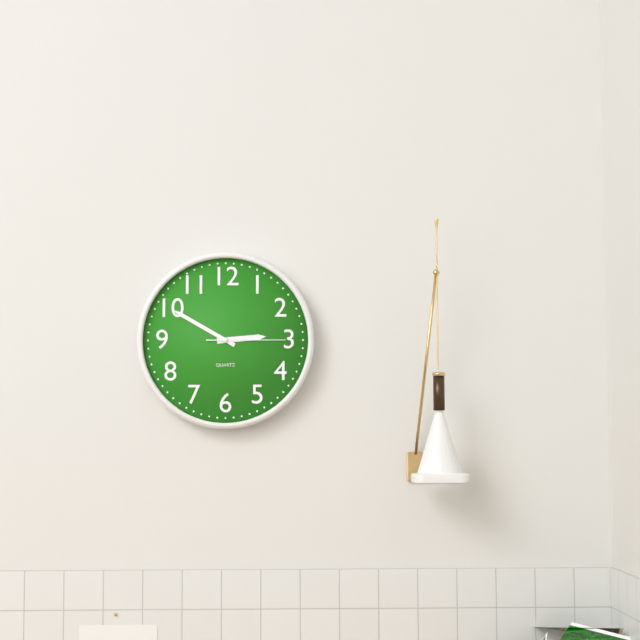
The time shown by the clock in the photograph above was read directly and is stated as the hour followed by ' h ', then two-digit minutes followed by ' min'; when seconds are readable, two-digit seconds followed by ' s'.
2 h 50 min 15 s
